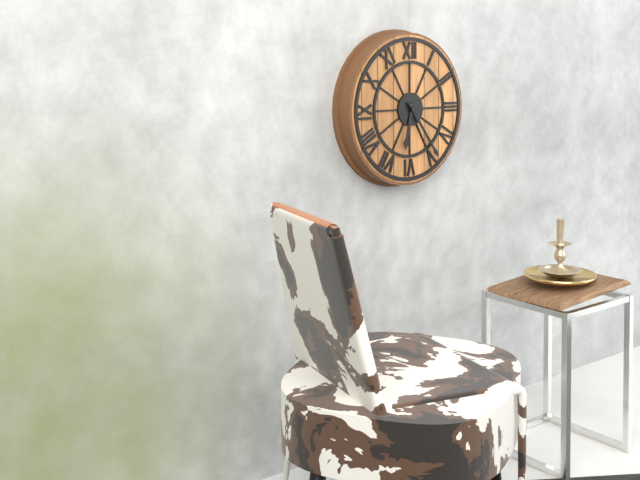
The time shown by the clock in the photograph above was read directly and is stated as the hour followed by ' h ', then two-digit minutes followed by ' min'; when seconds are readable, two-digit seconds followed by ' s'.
6 h 24 min
